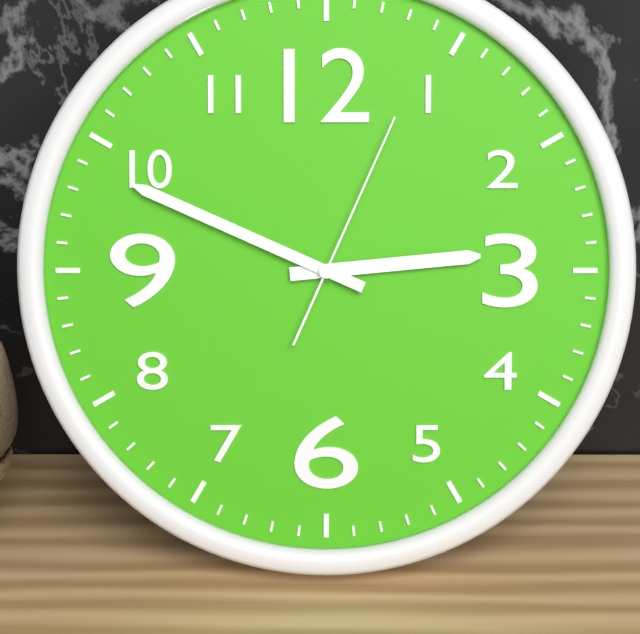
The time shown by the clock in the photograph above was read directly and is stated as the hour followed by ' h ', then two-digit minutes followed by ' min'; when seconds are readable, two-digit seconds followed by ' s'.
2 h 49 min 04 s
